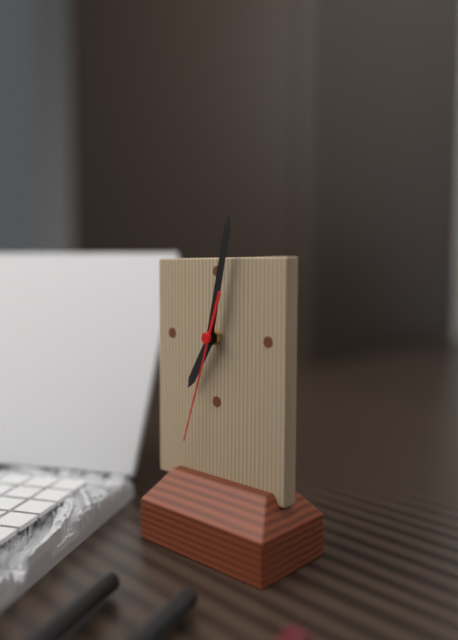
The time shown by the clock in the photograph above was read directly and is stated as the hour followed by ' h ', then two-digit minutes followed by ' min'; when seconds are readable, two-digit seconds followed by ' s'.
7 h 02 min 33 s
